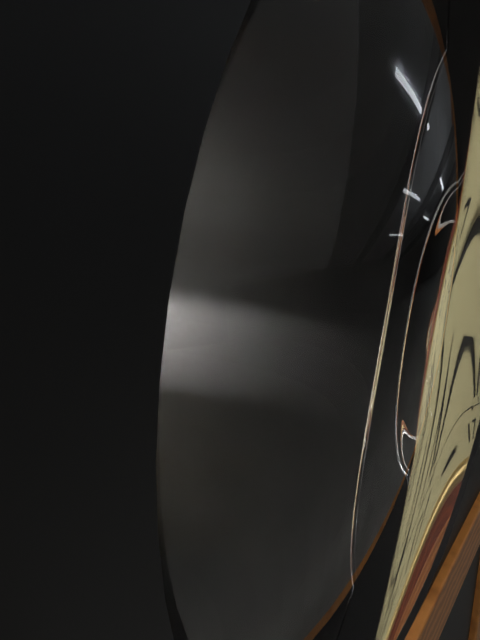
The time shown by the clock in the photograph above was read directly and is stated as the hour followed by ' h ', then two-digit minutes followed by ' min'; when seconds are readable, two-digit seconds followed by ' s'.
7 h 27 min 37 s
